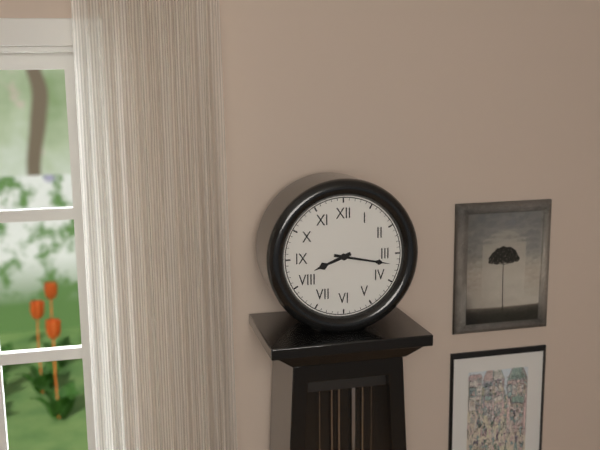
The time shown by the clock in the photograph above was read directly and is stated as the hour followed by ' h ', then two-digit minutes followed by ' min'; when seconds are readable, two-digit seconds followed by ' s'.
8 h 17 min
